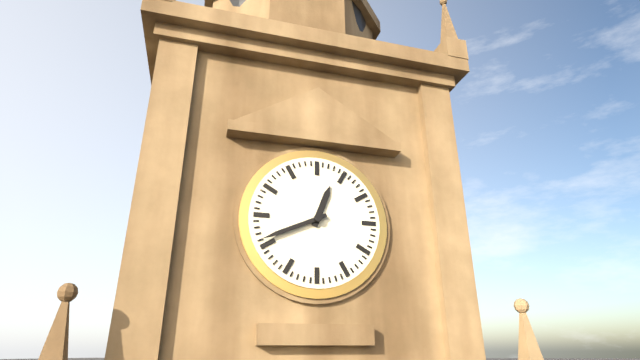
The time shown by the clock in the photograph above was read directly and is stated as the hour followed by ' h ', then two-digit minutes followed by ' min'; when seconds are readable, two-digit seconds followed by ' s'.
12 h 41 min
